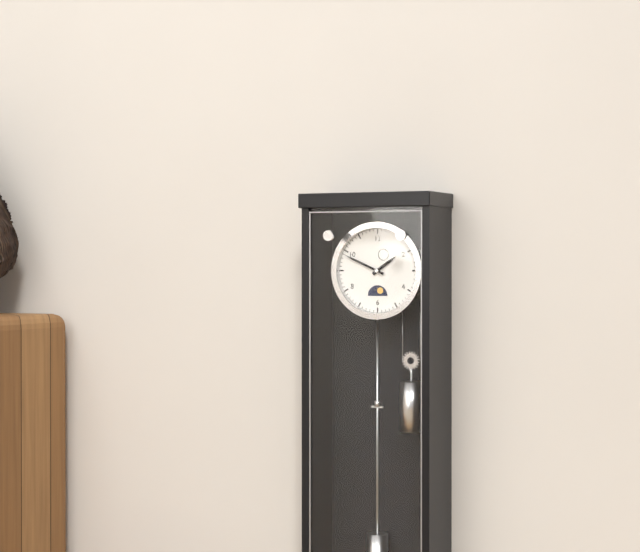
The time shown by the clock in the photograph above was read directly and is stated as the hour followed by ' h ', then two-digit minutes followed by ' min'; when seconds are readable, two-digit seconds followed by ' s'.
1 h 49 min
